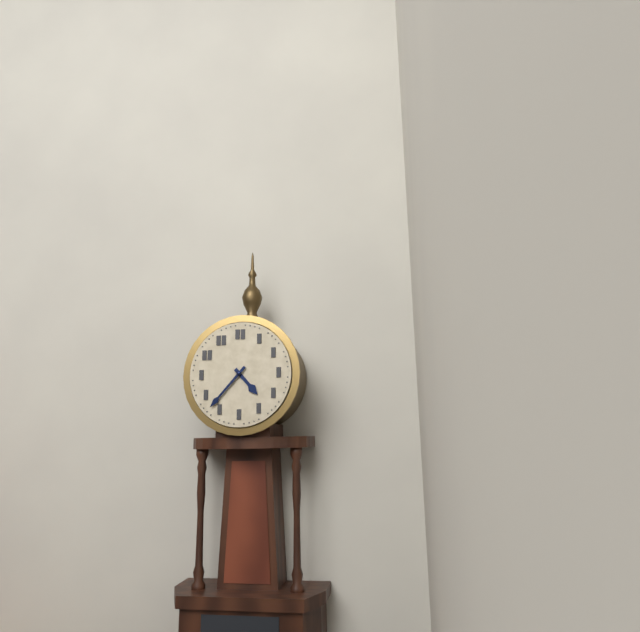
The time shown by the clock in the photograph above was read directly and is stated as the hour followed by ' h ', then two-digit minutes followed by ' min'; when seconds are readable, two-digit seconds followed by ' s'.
4 h 37 min
